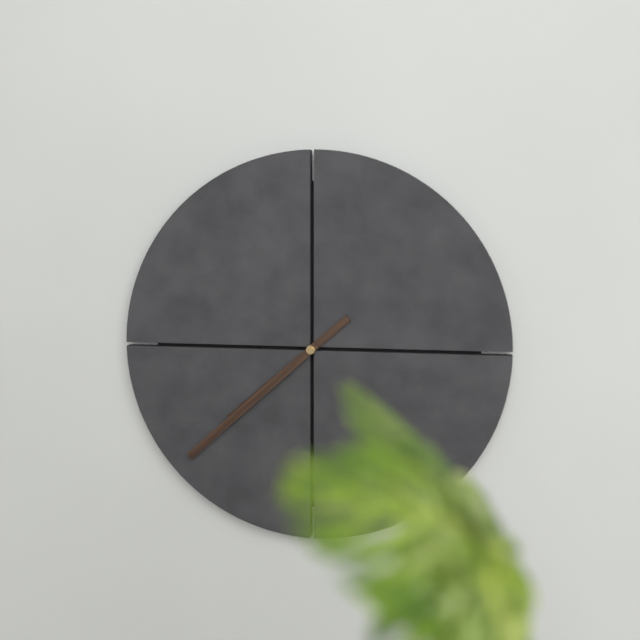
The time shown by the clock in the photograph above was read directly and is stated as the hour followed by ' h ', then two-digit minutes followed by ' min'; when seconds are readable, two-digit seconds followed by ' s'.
7 h 38 min
